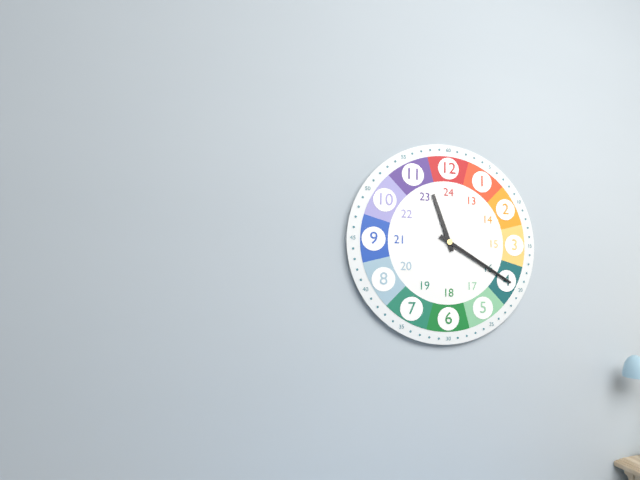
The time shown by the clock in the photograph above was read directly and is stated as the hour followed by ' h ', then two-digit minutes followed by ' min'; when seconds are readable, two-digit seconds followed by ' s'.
11 h 20 min
